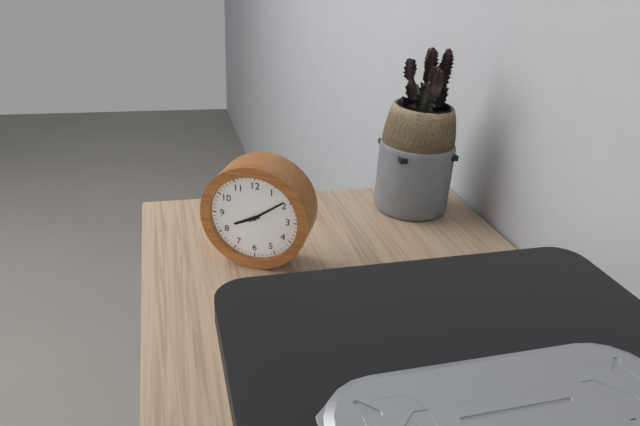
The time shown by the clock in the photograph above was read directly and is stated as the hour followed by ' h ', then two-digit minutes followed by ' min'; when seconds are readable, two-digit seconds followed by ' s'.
8 h 09 min
